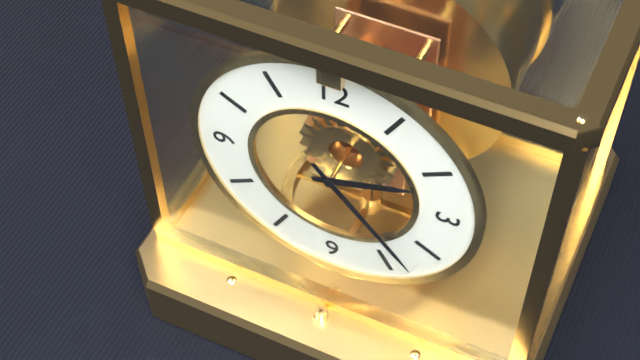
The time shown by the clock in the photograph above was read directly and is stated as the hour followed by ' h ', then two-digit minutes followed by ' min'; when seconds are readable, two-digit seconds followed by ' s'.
2 h 23 min
